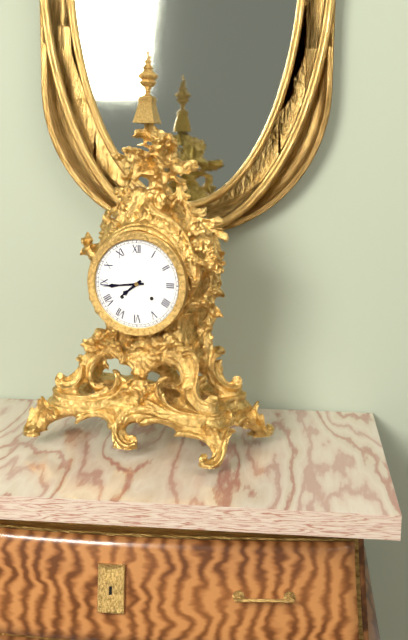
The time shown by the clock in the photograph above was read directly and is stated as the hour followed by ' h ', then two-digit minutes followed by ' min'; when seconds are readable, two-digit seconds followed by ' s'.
7 h 44 min
